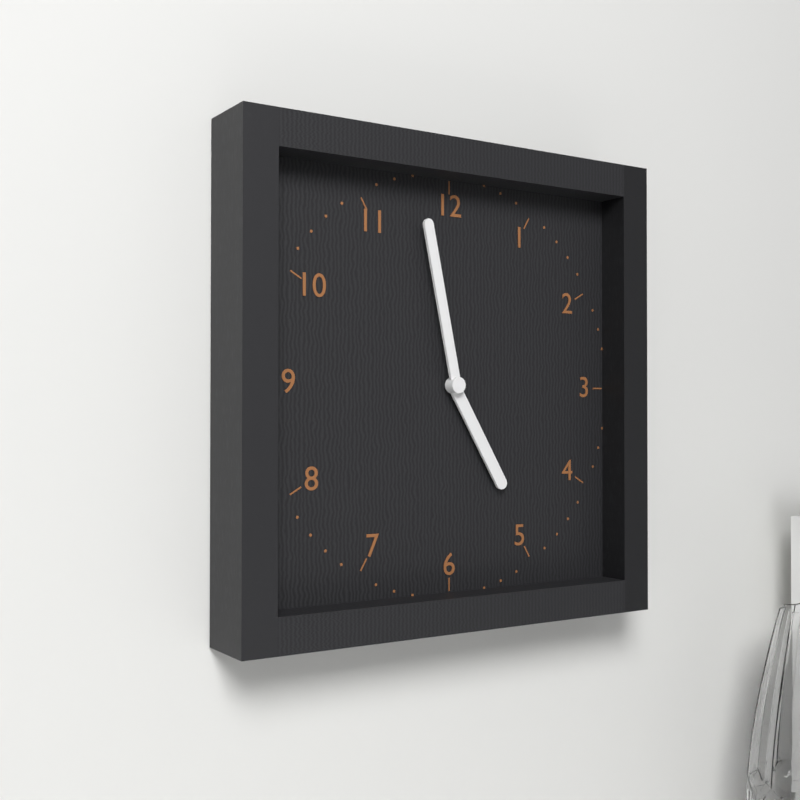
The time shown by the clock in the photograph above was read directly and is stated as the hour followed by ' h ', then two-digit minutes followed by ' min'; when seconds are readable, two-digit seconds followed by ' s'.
4 h 58 min
